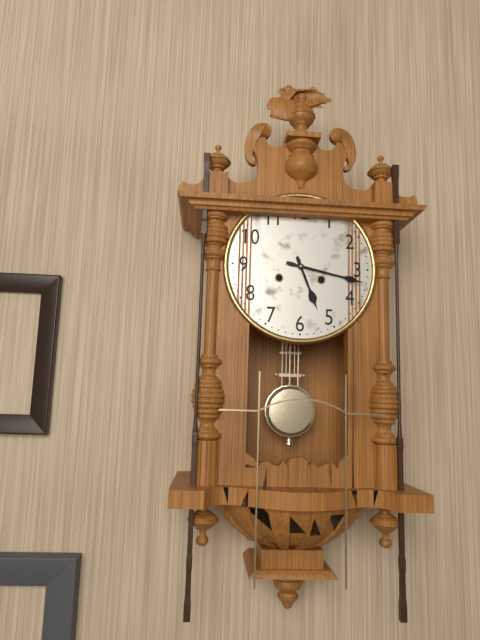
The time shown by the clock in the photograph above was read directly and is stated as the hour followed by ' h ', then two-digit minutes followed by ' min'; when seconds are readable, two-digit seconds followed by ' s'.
5 h 17 min
